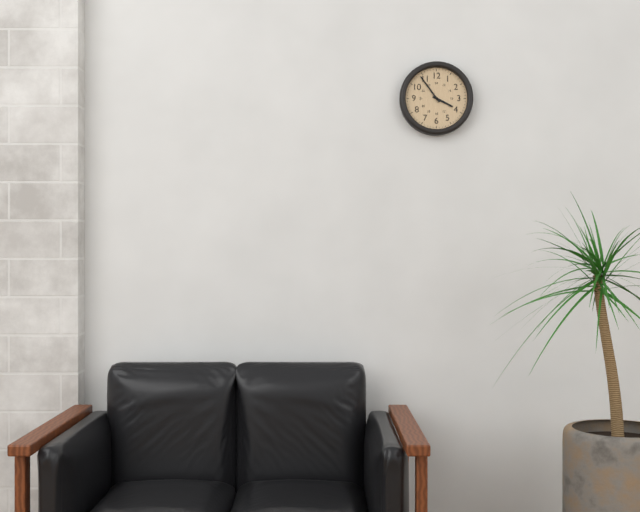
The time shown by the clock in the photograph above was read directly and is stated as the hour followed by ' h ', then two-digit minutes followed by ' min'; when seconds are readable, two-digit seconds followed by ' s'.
3 h 54 min
